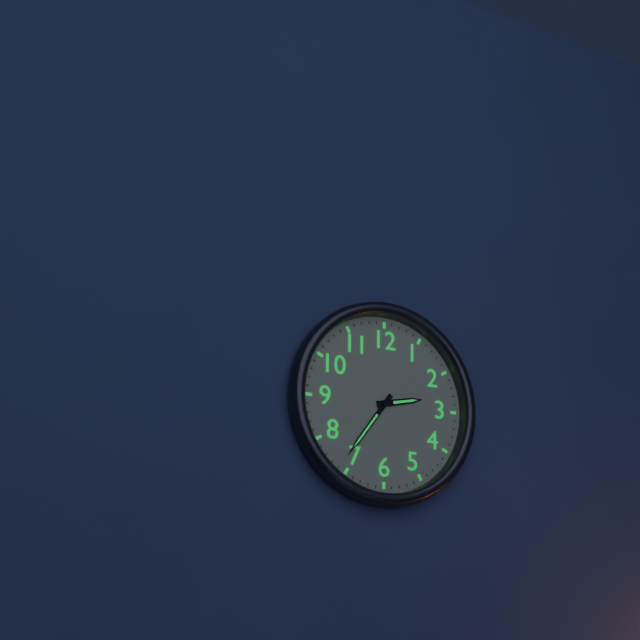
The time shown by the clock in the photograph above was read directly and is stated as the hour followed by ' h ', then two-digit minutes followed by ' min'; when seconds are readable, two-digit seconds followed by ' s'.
2 h 36 min
